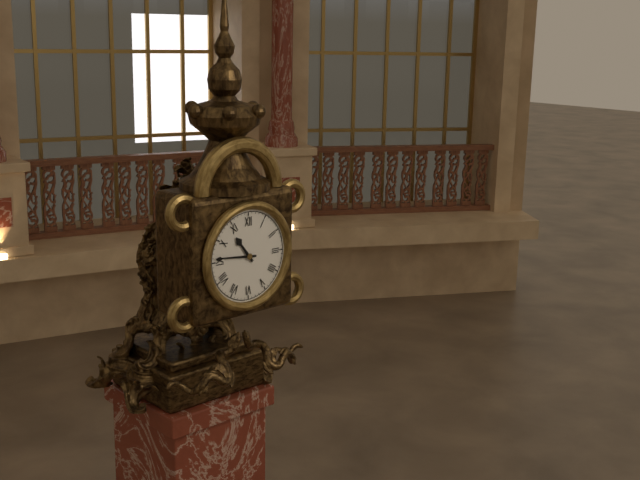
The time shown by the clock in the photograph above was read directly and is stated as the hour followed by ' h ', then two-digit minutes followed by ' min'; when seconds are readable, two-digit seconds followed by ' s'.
10 h 46 min
